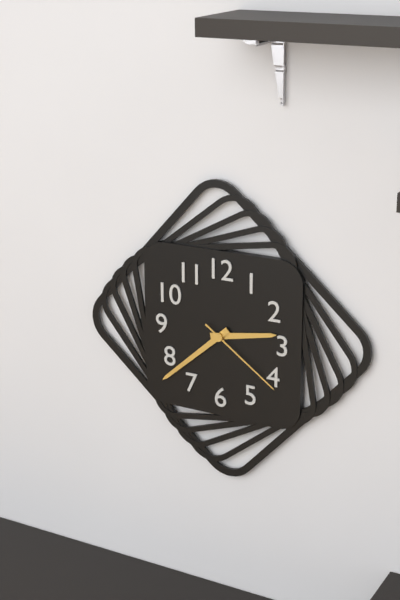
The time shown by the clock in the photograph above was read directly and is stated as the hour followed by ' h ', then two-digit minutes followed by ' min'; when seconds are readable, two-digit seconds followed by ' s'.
2 h 38 min 21 s
